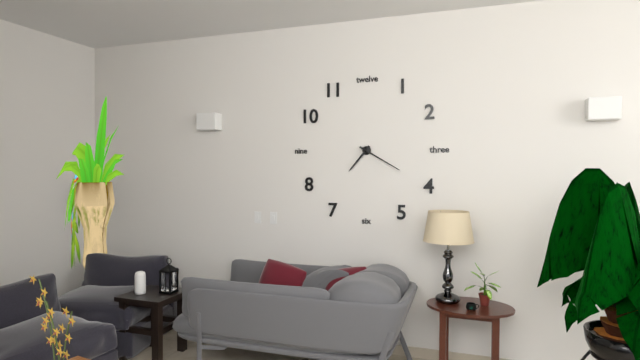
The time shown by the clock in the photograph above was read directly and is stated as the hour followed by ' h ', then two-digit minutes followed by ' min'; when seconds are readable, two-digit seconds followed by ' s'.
7 h 20 min
